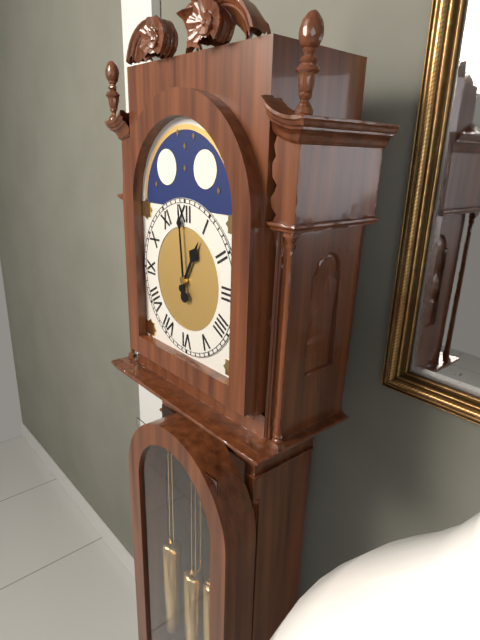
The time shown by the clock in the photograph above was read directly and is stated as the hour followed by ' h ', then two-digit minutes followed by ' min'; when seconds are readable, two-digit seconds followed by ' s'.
12 h 59 min
